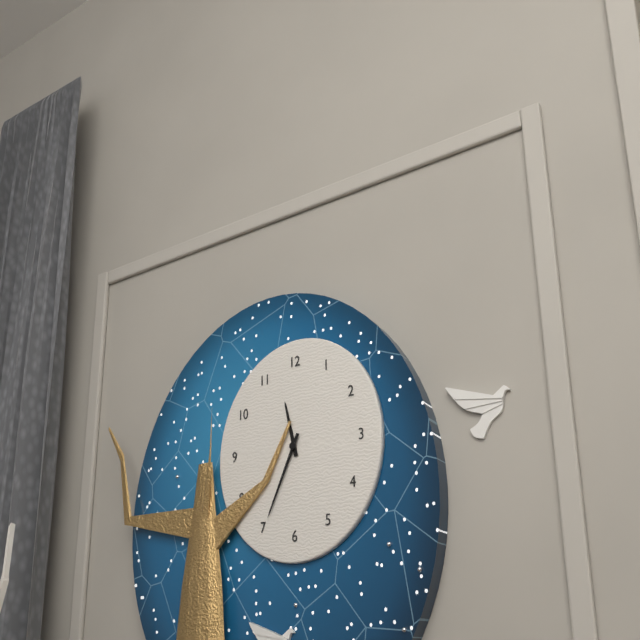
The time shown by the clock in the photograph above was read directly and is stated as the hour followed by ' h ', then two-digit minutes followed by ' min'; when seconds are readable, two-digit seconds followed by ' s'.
11 h 34 min
